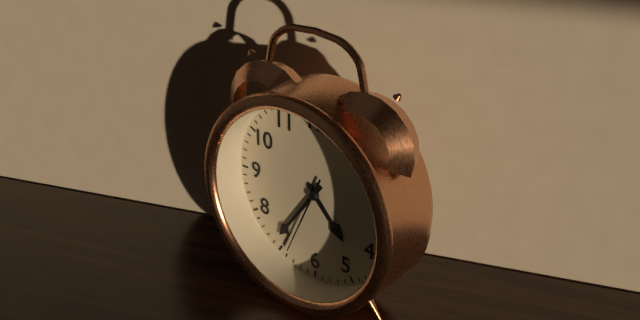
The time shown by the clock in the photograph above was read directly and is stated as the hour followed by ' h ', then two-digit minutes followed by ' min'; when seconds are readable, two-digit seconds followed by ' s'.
4 h 36 min 34 s
